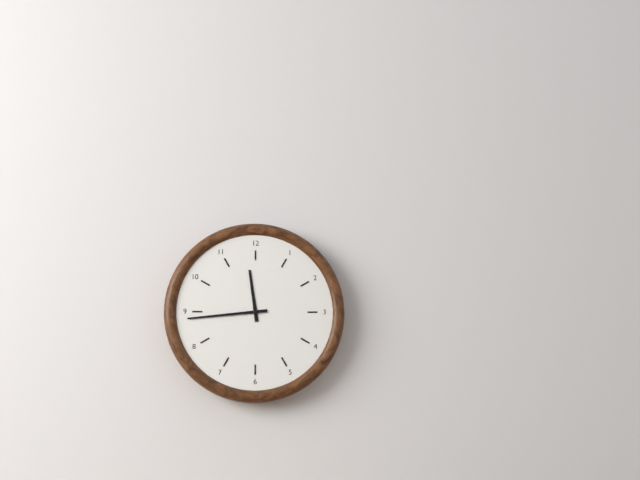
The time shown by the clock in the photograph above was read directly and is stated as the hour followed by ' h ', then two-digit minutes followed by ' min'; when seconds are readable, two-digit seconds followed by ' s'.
11 h 44 min
